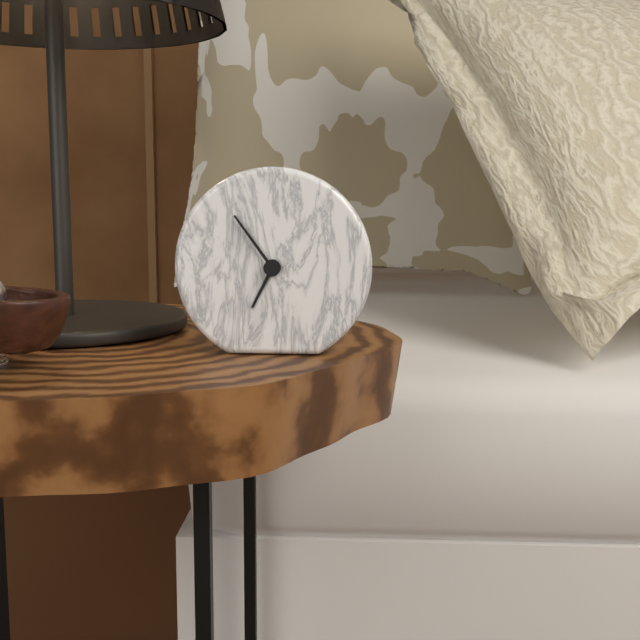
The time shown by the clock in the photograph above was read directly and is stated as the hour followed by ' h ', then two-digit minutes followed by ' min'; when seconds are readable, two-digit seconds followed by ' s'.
6 h 54 min
